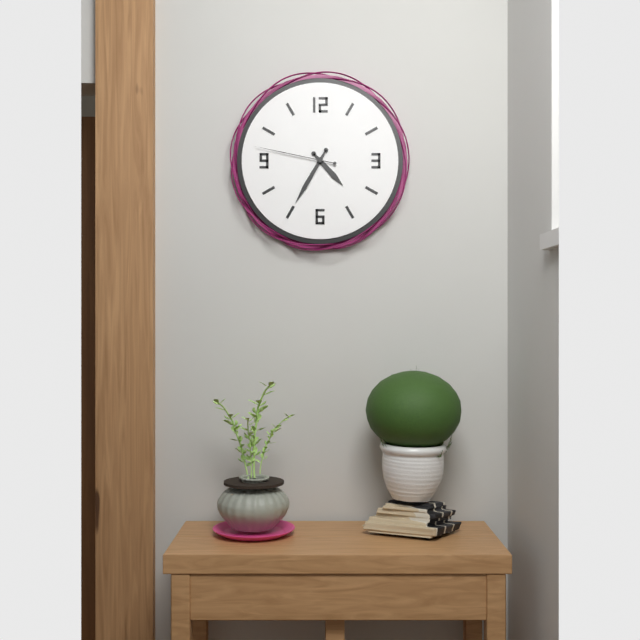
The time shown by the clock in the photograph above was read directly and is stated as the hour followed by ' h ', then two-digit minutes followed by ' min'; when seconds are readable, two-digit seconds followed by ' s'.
4 h 35 min 47 s
